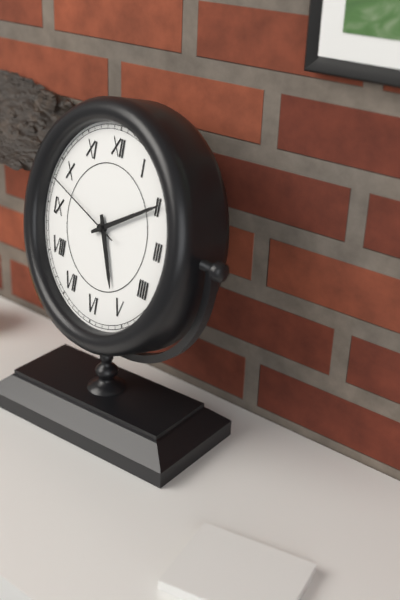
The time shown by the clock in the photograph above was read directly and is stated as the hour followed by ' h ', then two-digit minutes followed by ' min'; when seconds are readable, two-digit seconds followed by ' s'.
5 h 10 min 48 s
